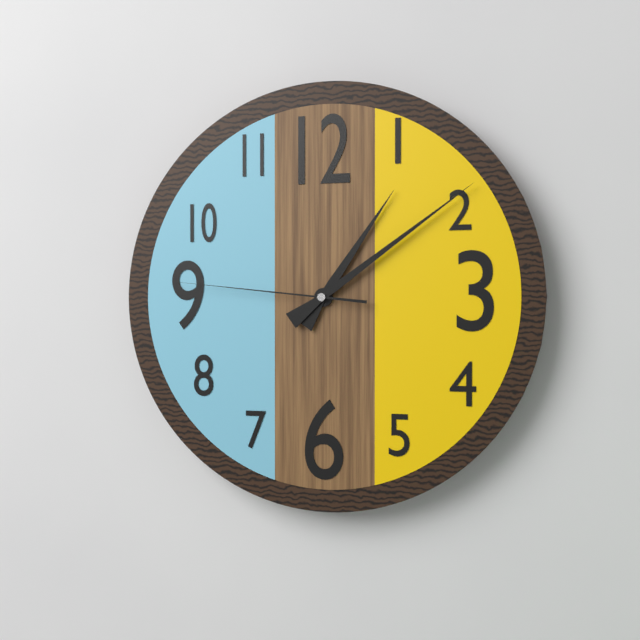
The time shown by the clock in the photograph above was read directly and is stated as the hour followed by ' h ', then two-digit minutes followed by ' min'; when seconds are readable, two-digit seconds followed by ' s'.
1 h 09 min 46 s
